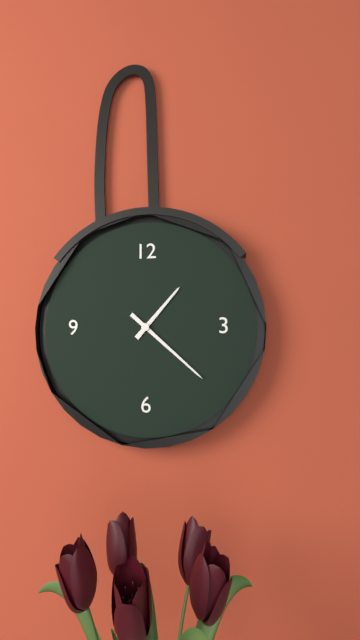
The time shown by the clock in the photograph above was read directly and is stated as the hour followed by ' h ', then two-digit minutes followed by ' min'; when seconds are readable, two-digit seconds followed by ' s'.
1 h 22 min
